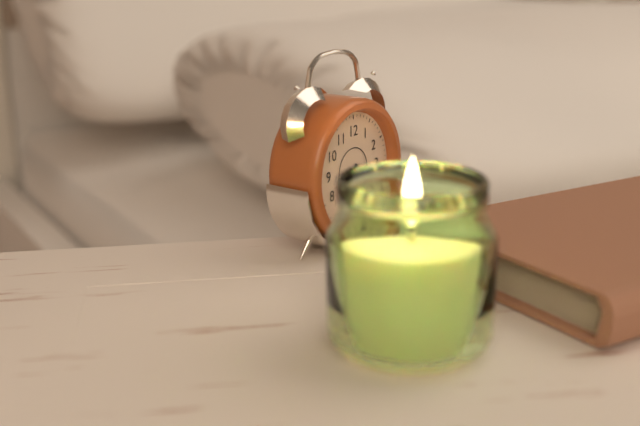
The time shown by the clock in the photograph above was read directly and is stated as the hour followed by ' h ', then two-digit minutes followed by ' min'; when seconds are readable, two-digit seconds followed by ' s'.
7 h 18 min
